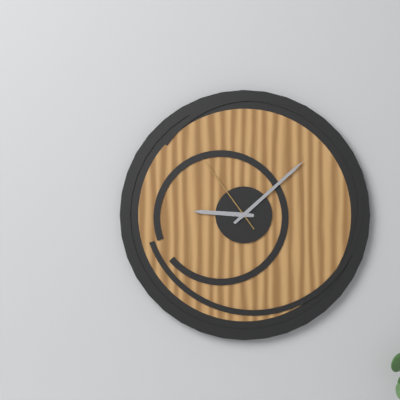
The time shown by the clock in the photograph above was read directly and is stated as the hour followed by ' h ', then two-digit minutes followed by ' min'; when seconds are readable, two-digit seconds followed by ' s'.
9 h 08 min 54 s
